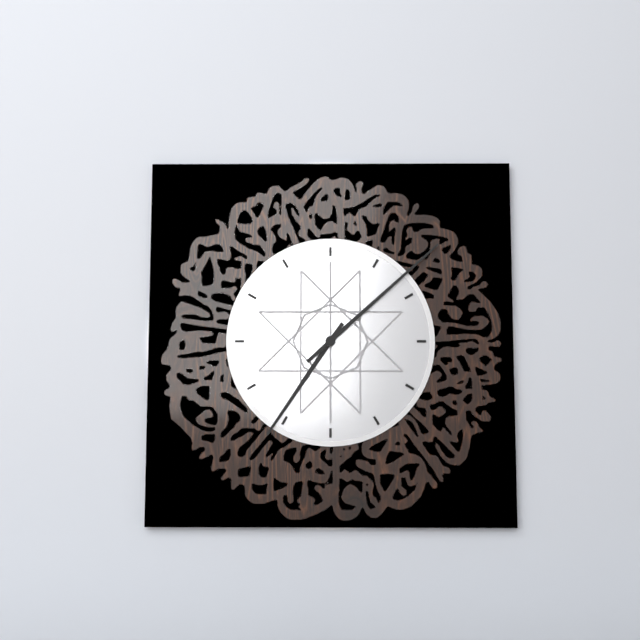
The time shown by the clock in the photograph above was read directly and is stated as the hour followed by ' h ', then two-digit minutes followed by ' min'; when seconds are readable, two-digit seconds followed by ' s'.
7 h 08 min
